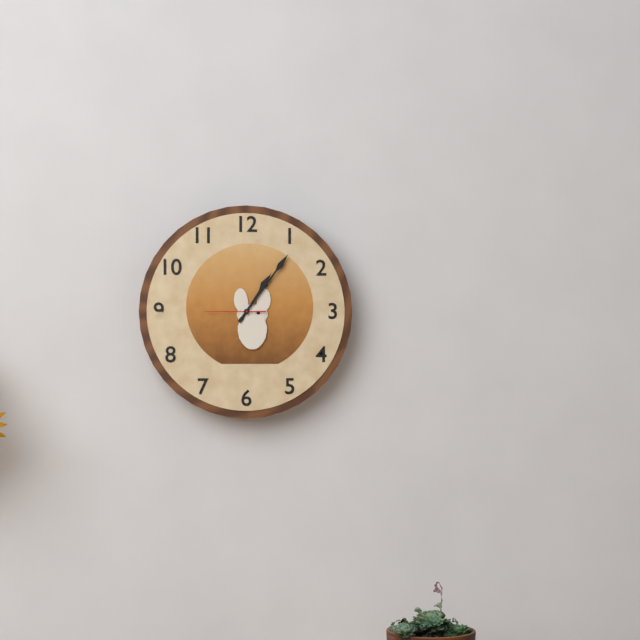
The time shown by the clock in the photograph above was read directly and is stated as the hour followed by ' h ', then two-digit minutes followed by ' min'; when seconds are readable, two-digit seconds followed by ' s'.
1 h 06 min 45 s
